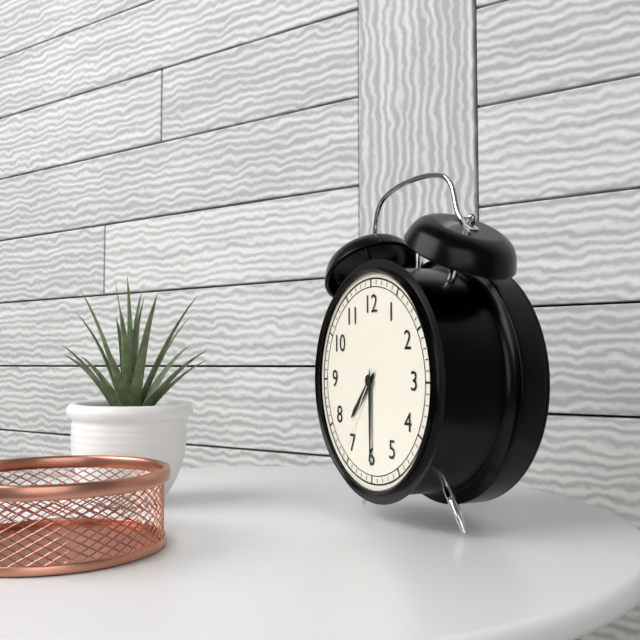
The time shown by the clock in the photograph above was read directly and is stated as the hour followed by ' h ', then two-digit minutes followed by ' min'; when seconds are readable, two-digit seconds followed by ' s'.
7 h 30 min 36 s
